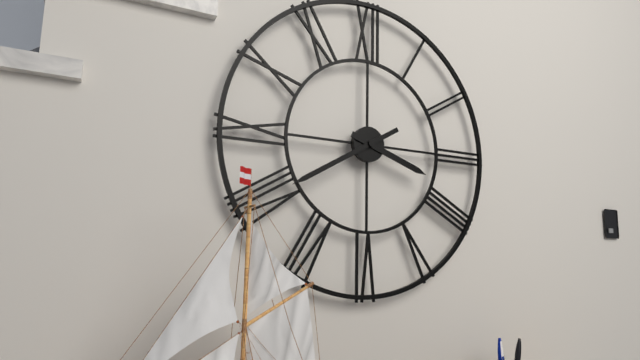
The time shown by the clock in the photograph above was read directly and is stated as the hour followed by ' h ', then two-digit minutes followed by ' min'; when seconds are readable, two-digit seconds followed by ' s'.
3 h 40 min
